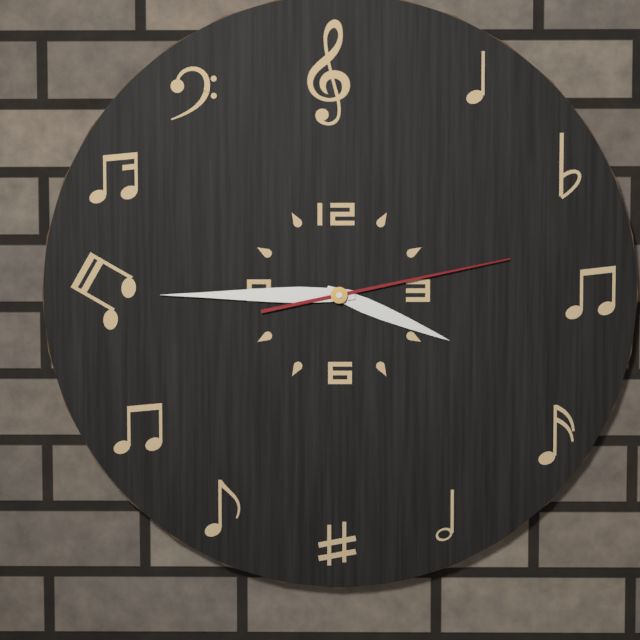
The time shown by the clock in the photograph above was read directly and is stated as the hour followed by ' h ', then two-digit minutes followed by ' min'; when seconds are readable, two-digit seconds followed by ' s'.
3 h 45 min 13 s
